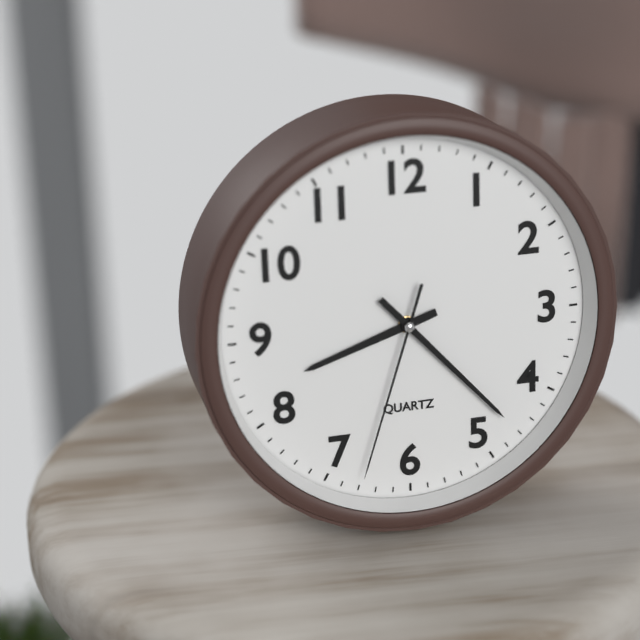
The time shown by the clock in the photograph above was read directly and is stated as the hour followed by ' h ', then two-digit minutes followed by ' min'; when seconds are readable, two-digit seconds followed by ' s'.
8 h 23 min 33 s
